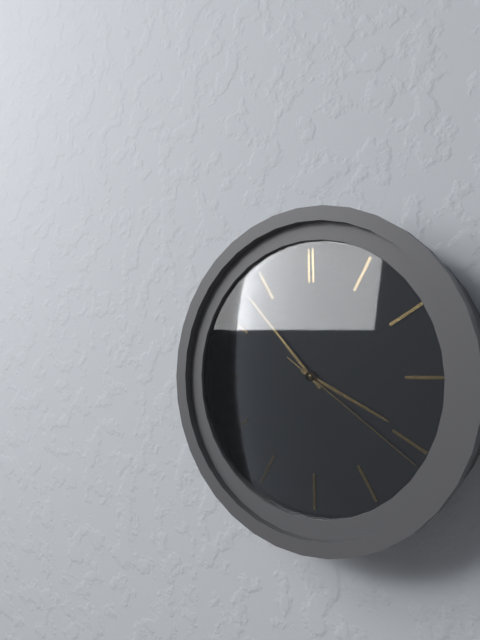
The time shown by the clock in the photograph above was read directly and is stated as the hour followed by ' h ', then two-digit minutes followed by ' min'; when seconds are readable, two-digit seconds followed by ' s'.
3 h 53 min 21 s
